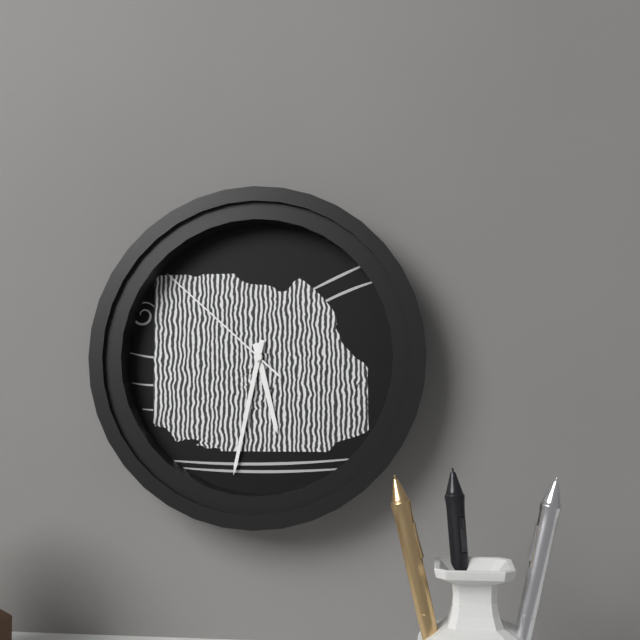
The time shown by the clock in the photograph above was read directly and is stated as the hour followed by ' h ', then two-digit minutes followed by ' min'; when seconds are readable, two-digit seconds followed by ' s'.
5 h 32 min 52 s
